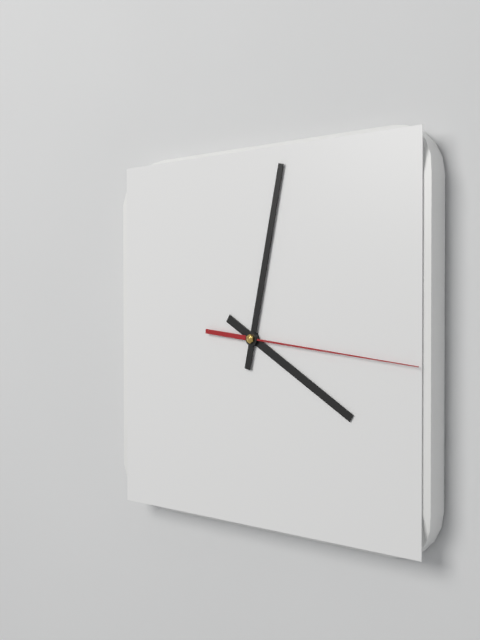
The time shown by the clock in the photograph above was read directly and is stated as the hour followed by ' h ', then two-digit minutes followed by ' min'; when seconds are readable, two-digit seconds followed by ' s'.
4 h 02 min 16 s
